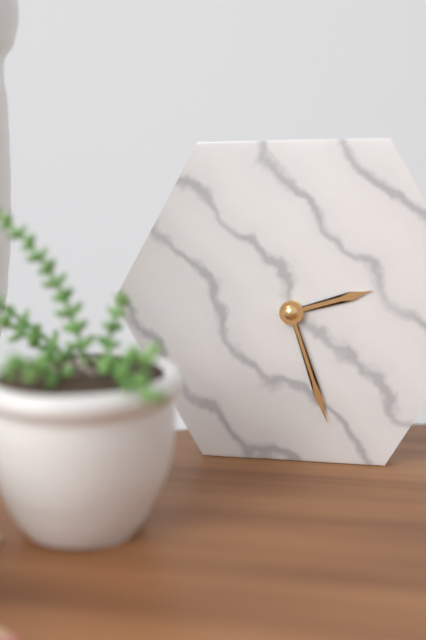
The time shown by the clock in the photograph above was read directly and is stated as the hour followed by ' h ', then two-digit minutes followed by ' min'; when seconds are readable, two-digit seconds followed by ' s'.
2 h 27 min
